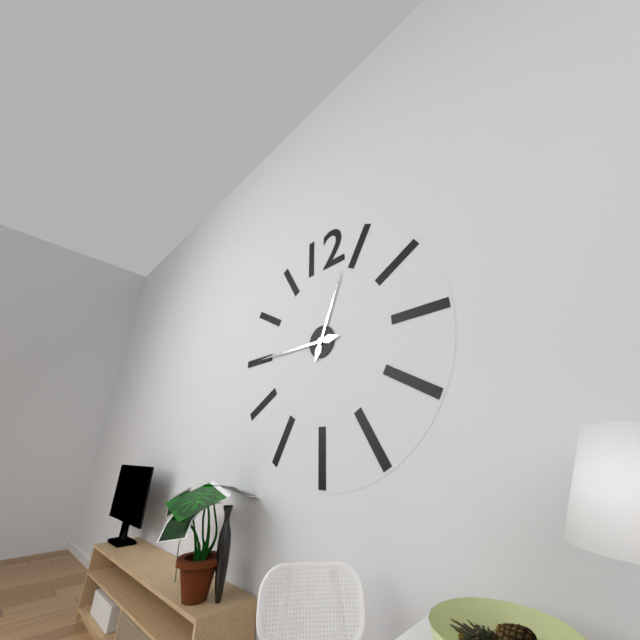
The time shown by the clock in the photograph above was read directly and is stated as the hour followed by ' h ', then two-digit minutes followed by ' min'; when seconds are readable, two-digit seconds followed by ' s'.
12 h 45 min
